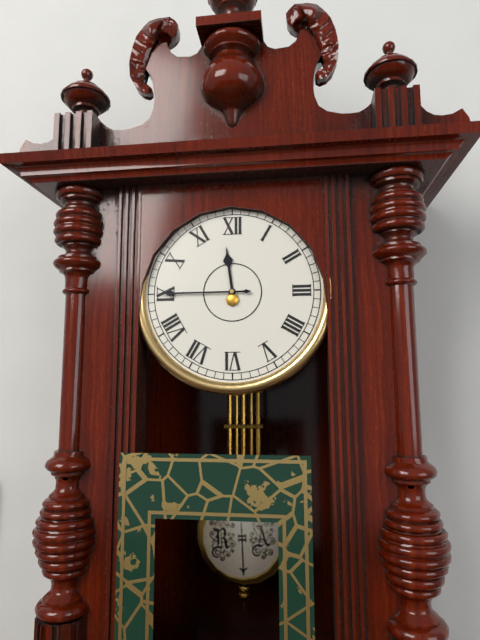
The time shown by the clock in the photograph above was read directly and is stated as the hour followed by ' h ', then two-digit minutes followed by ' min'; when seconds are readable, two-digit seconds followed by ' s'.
11 h 45 min
